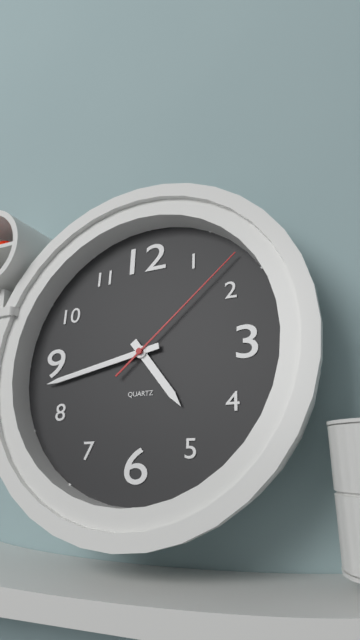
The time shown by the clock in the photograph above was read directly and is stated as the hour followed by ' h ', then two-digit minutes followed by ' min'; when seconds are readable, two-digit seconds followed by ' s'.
4 h 43 min 08 s
